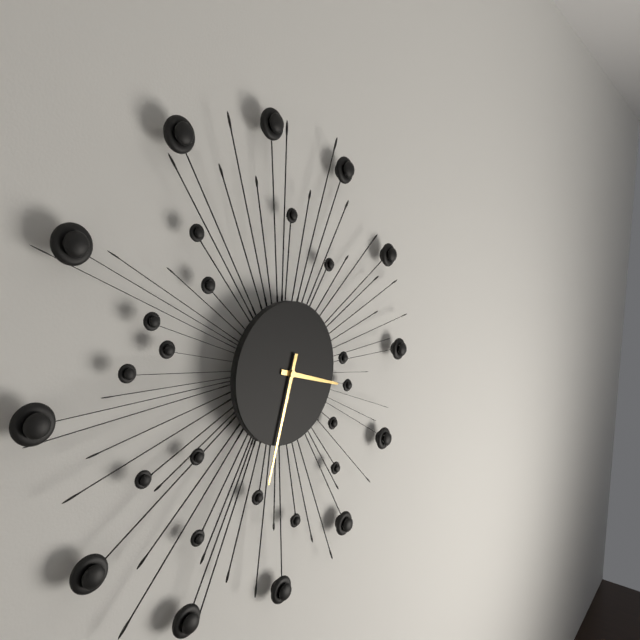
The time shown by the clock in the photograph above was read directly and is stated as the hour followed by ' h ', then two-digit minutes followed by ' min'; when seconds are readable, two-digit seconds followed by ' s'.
3 h 33 min
